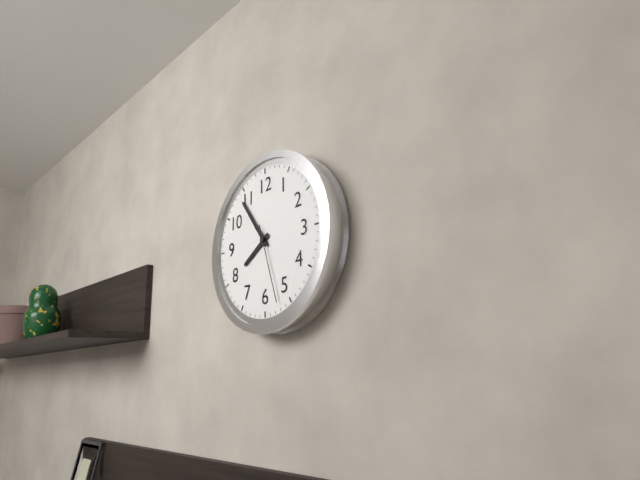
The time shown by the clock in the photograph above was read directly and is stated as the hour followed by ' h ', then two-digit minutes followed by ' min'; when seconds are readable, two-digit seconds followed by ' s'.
7 h 54 min 27 s
